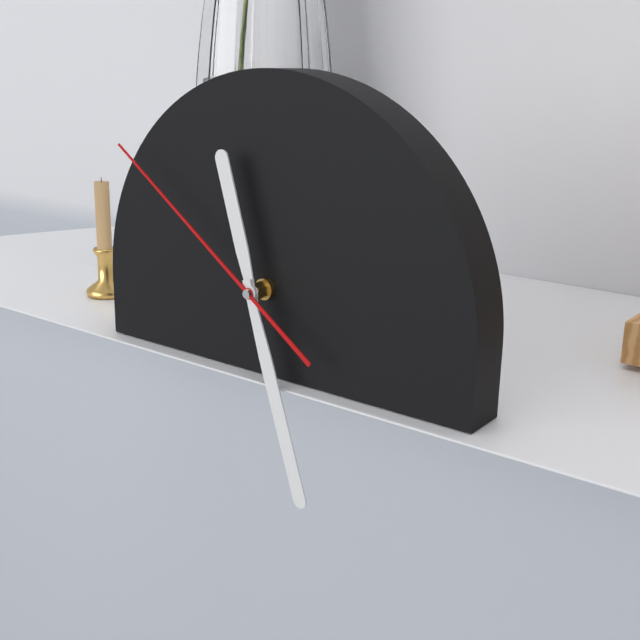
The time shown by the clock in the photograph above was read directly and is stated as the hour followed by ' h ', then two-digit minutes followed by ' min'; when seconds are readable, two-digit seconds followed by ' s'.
11 h 27 min 51 s
